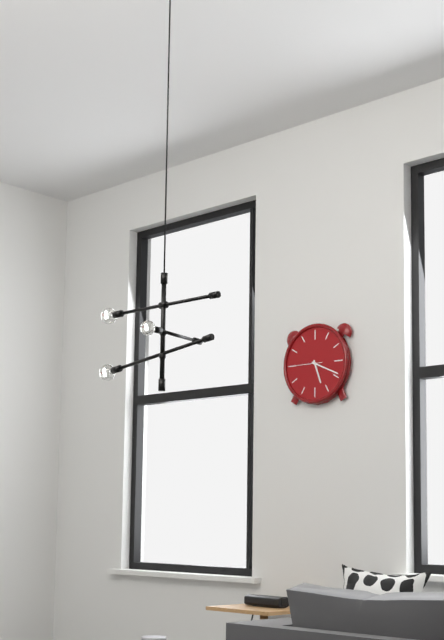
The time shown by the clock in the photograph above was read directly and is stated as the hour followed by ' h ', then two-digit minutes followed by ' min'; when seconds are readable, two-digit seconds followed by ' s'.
5 h 19 min
